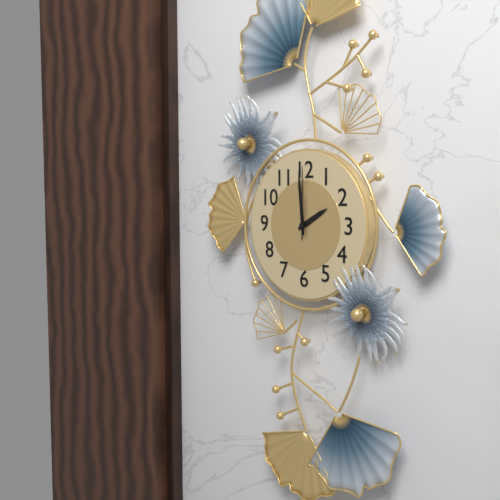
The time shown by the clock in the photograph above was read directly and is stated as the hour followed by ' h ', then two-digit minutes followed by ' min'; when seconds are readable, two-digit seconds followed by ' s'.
1 h 59 min 00 s
